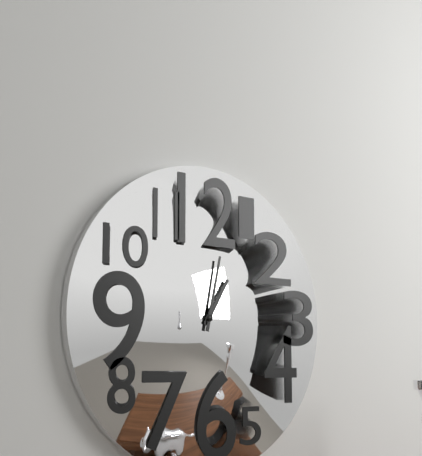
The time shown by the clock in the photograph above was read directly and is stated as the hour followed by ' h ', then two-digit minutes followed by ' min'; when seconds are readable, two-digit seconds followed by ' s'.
1 h 02 min
